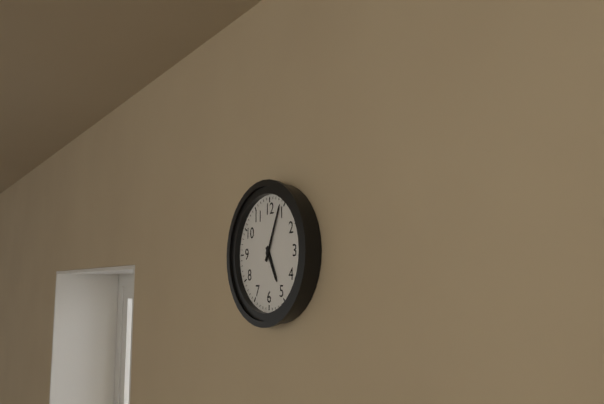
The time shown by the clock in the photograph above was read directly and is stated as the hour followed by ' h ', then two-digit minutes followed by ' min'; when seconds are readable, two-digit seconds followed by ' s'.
5 h 04 min
